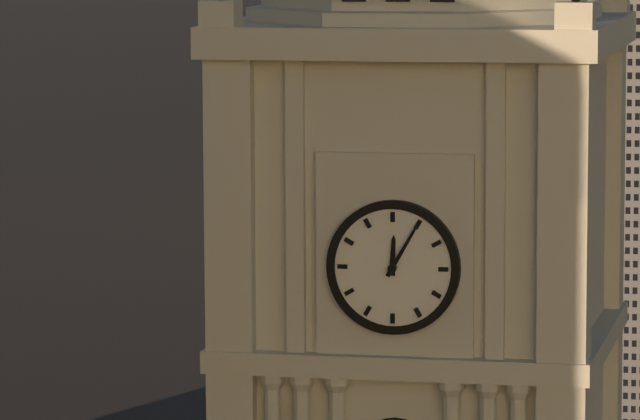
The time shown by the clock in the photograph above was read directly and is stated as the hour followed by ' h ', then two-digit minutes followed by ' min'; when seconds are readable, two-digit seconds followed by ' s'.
12 h 05 min
